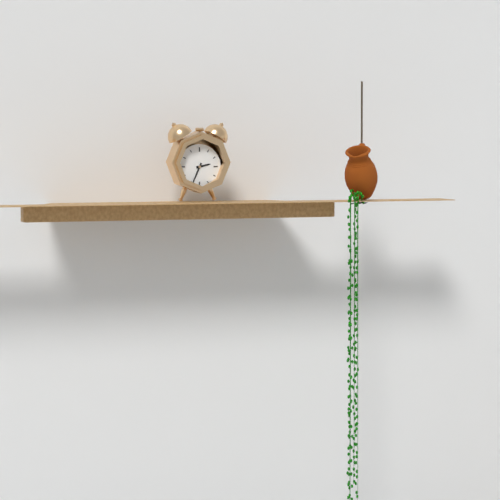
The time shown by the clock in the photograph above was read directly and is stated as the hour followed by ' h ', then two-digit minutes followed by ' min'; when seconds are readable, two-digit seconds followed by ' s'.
2 h 34 min
